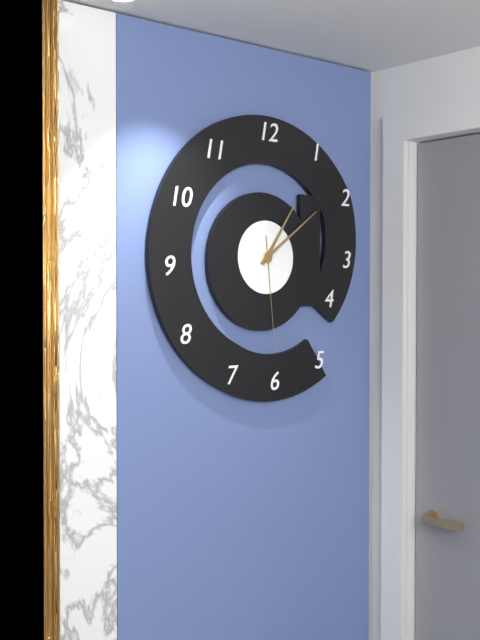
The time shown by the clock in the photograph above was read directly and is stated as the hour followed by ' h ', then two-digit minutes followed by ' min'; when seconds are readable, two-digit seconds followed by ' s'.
1 h 09 min 29 s
